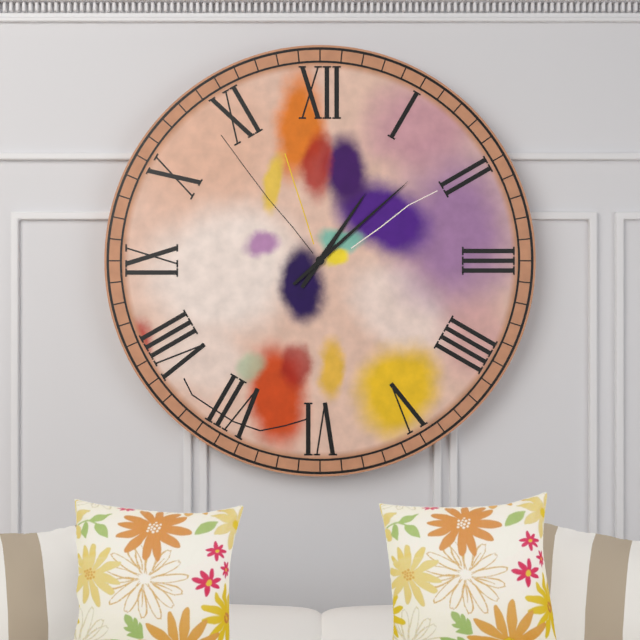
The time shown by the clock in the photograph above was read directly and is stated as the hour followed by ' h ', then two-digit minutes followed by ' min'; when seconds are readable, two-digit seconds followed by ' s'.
1 h 08 min
